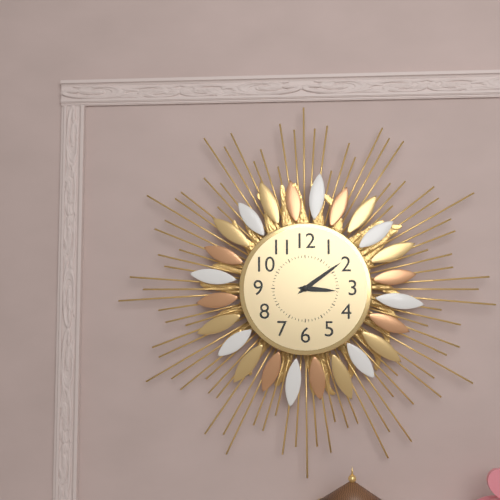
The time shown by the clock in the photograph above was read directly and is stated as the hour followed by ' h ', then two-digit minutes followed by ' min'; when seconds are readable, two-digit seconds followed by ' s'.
3 h 09 min
